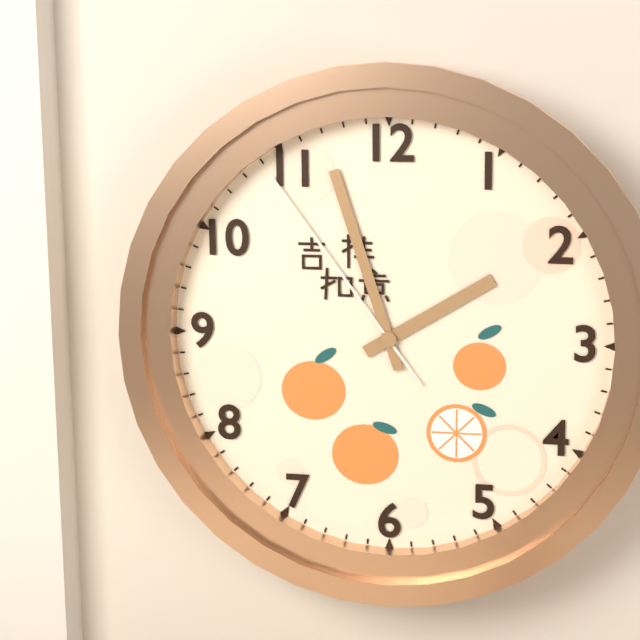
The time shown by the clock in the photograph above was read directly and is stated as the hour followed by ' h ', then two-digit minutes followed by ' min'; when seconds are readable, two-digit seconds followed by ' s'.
1 h 57 min 54 s
